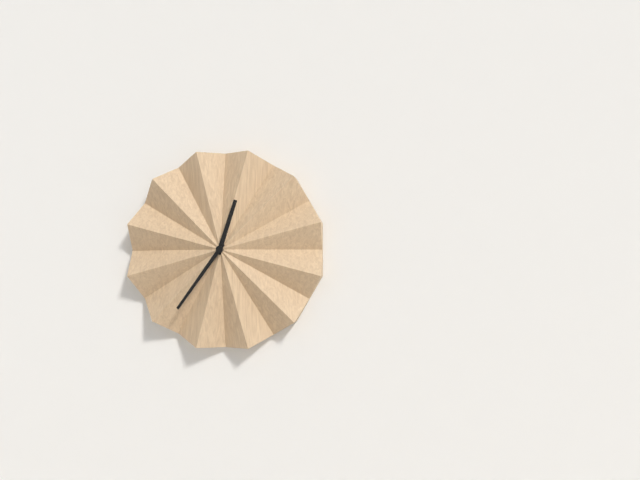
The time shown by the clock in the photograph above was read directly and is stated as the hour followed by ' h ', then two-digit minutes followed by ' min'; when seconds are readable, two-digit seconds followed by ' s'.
12 h 36 min
